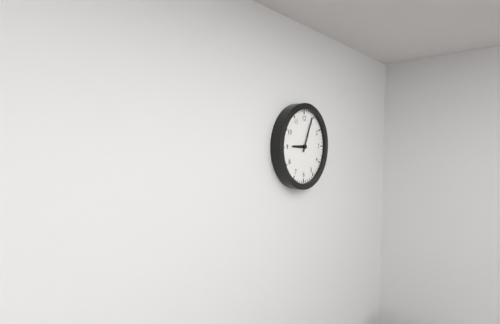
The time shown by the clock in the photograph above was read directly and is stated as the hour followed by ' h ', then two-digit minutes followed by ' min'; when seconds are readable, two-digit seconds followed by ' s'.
9 h 04 min
